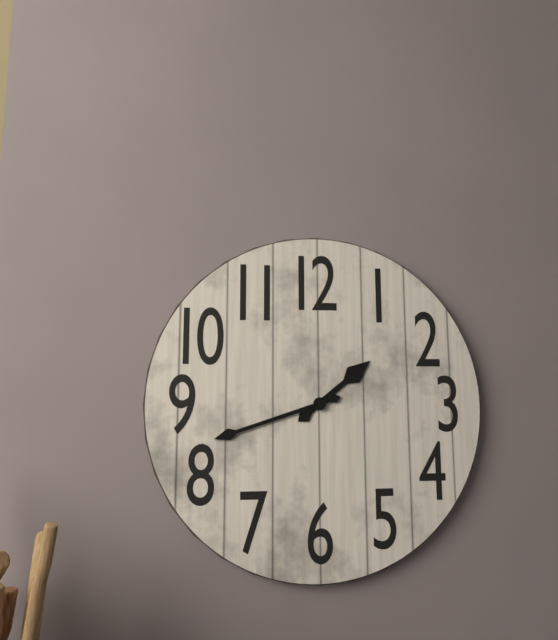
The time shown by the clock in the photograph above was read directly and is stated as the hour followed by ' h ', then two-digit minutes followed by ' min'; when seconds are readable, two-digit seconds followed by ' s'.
1 h 42 min
